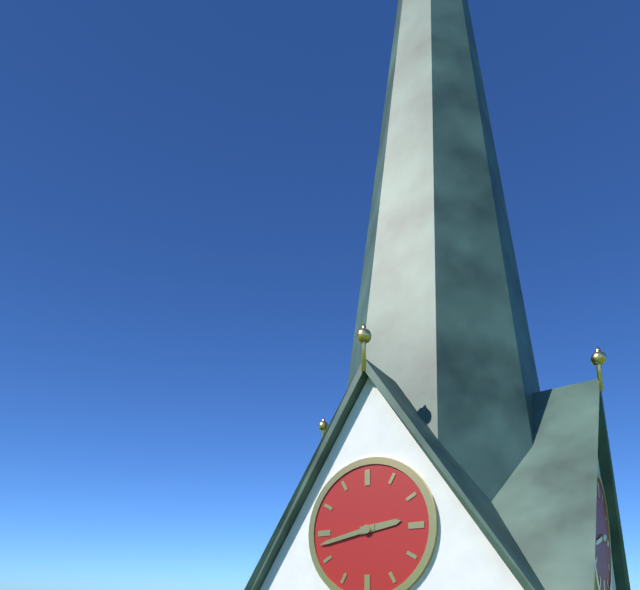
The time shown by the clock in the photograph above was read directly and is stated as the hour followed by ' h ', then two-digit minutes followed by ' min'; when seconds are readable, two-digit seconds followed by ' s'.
2 h 43 min
